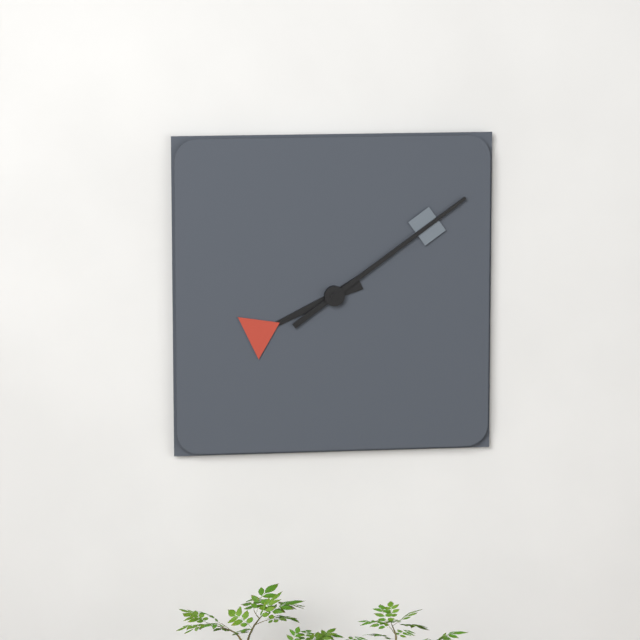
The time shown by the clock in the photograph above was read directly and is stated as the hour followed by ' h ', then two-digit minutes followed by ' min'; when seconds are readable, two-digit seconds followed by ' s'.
8 h 09 min
